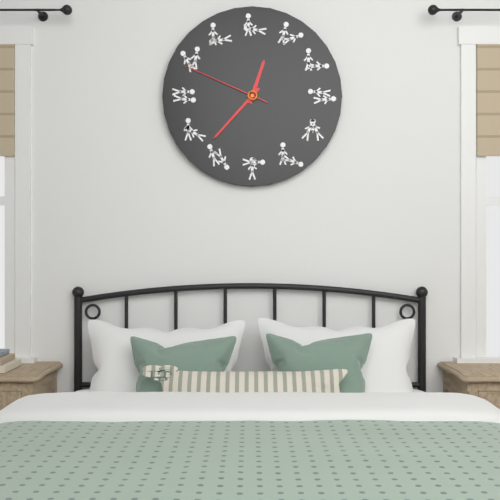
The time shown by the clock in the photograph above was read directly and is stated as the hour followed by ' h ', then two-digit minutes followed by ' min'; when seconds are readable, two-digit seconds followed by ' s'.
12 h 37 min 49 s
